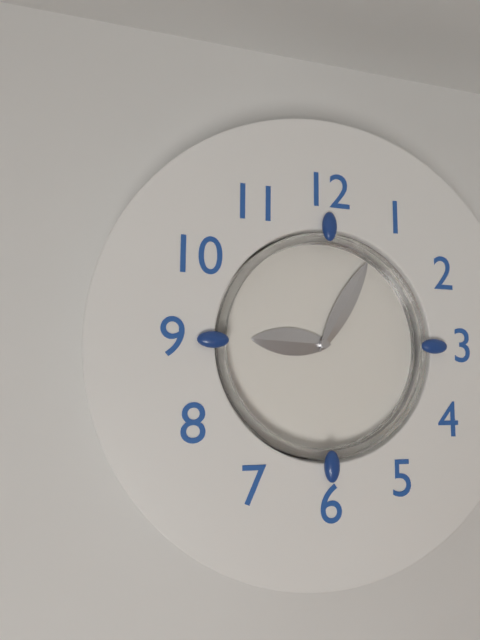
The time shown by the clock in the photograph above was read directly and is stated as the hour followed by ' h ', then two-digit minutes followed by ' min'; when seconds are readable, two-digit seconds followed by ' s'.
9 h 05 min
